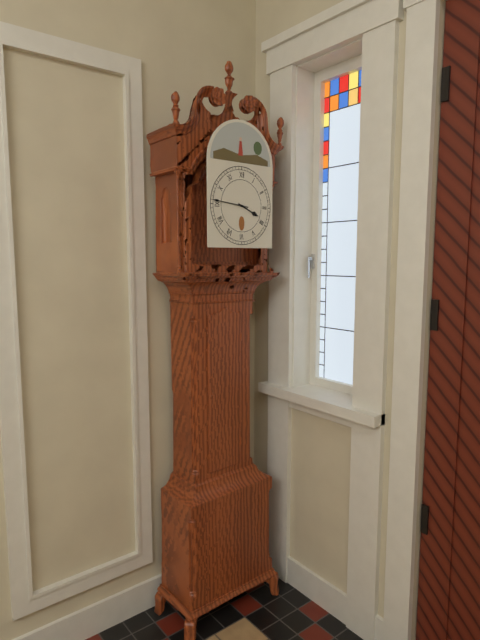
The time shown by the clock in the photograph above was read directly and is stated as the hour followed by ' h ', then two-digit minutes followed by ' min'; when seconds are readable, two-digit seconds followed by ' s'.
3 h 46 min
